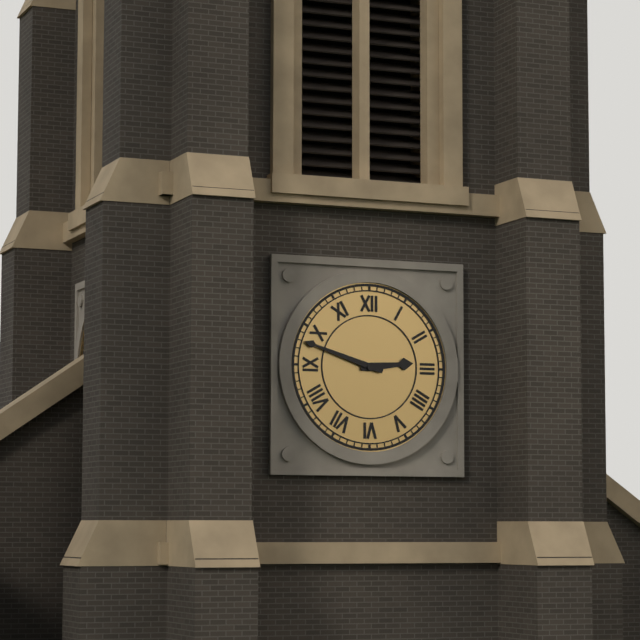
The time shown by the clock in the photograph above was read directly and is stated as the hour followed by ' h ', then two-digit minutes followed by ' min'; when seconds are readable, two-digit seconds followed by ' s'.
2 h 48 min
